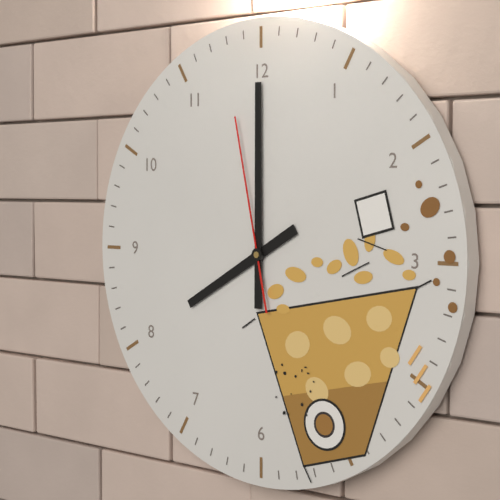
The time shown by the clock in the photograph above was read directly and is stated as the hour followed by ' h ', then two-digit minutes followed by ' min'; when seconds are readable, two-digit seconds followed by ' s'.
8 h 00 min 58 s
